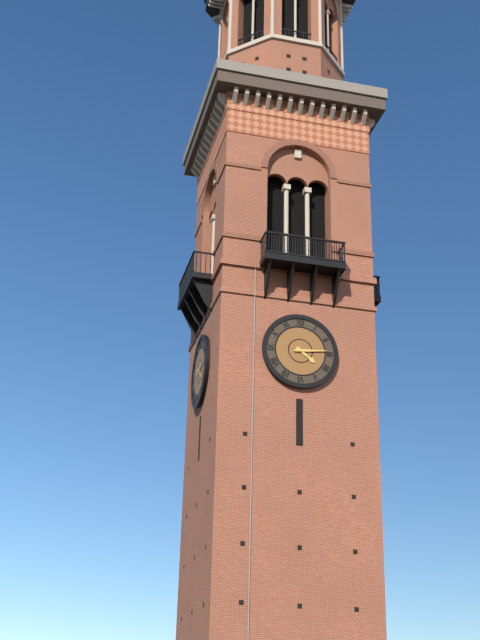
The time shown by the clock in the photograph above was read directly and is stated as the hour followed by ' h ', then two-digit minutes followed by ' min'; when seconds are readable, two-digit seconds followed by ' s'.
4 h 14 min
